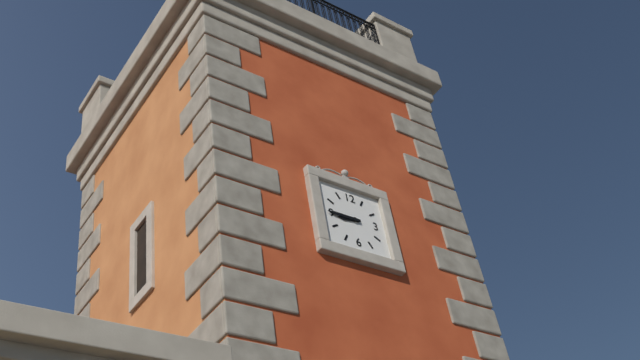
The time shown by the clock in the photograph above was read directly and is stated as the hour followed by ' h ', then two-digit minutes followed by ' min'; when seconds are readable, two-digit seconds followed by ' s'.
8 h 45 min
